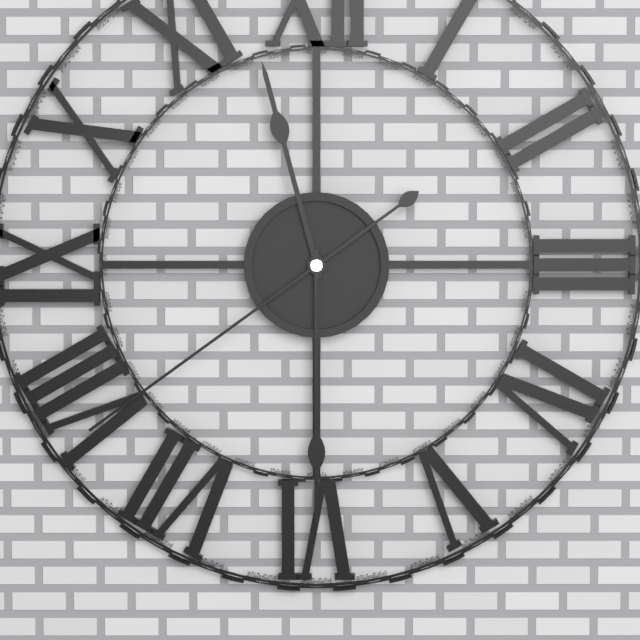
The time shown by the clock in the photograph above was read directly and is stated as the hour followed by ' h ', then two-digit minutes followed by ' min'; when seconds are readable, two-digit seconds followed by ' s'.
11 h 30 min 39 s
